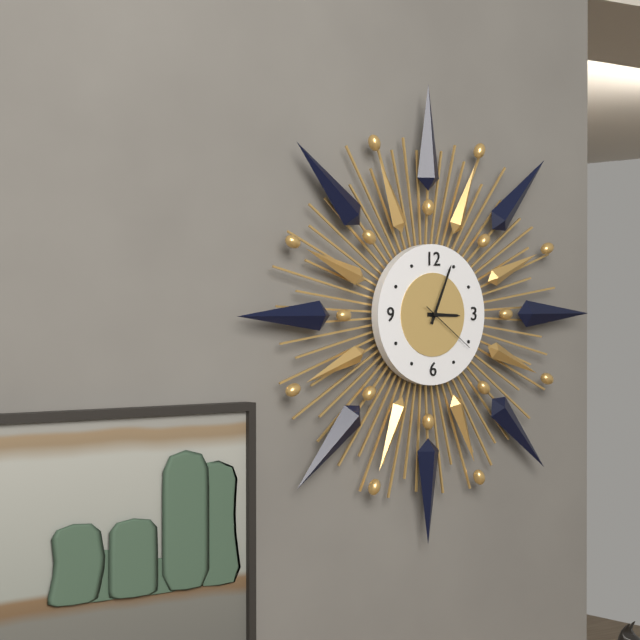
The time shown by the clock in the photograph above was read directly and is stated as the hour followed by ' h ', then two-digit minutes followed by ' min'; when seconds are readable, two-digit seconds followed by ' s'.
3 h 04 min 21 s
